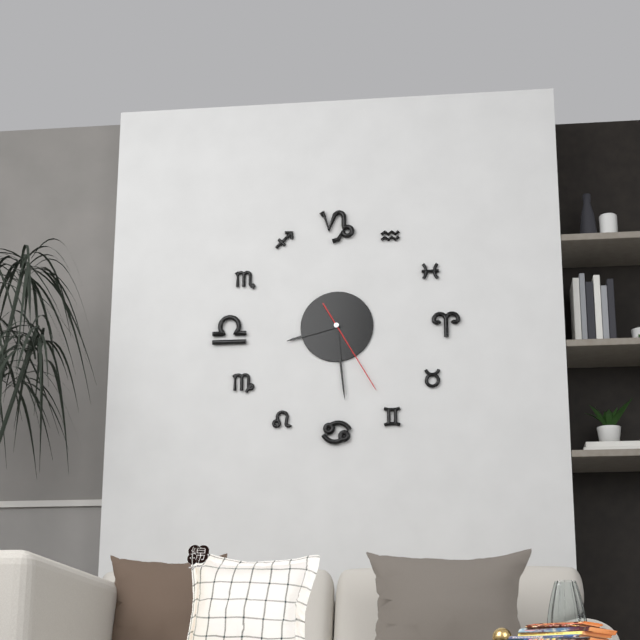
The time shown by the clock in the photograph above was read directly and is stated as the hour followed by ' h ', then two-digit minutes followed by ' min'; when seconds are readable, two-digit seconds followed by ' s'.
8 h 29 min 25 s
